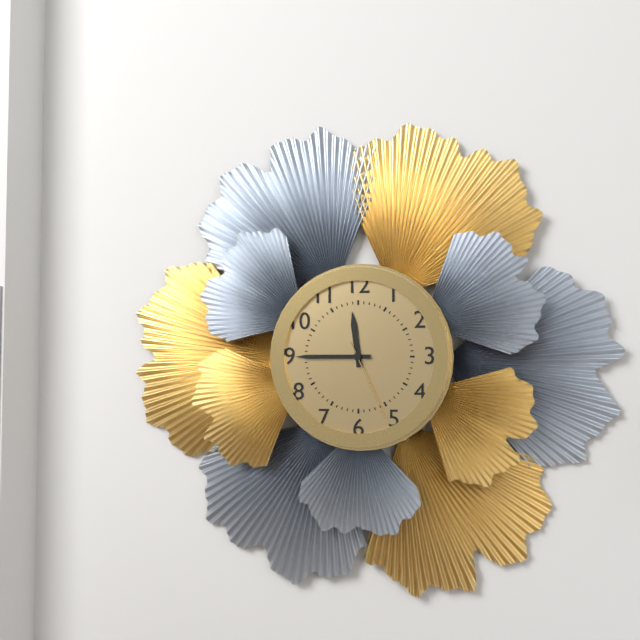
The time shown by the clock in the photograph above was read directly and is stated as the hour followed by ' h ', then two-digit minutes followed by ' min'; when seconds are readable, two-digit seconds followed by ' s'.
11 h 45 min 26 s
